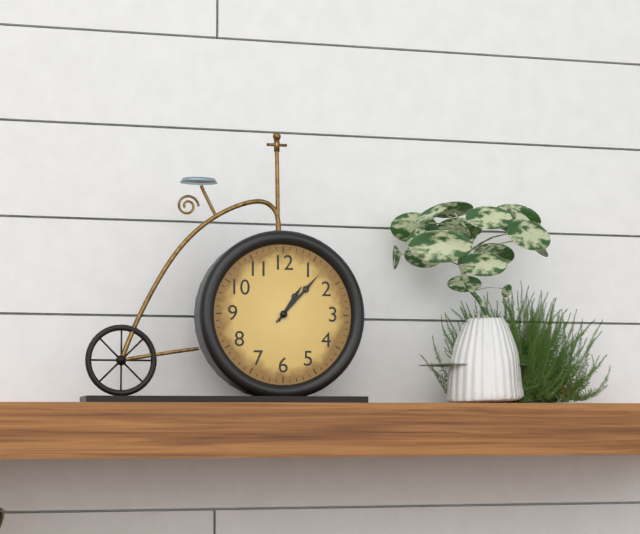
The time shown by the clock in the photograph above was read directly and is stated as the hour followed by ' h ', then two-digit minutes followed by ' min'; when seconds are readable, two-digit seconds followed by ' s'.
1 h 07 min
